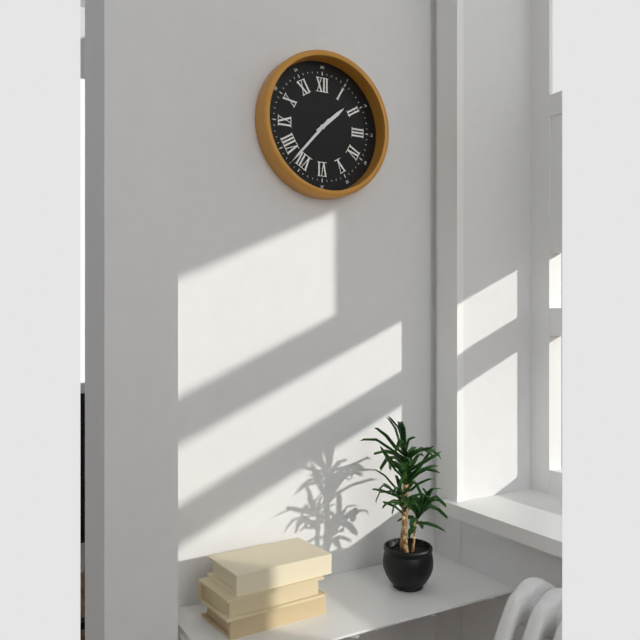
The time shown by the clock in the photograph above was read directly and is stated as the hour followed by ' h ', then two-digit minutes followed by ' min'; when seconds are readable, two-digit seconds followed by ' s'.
1 h 37 min
